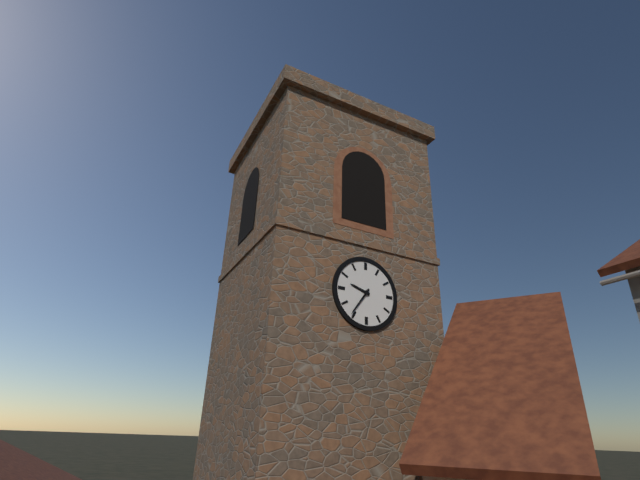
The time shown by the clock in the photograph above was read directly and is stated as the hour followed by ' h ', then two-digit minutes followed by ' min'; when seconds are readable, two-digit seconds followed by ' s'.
9 h 36 min
